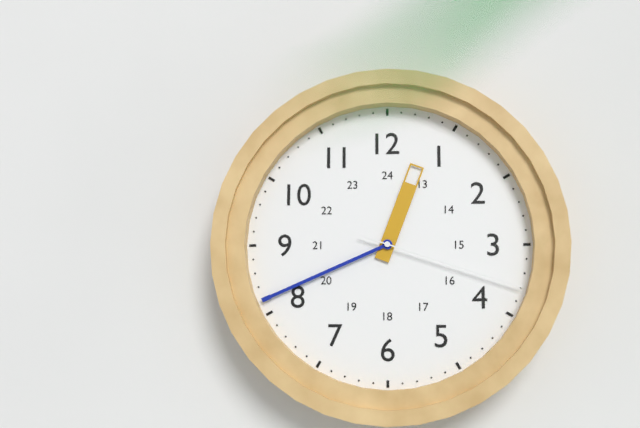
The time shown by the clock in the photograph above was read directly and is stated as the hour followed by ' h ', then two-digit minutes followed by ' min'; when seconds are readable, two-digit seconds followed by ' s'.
12 h 41 min 18 s
